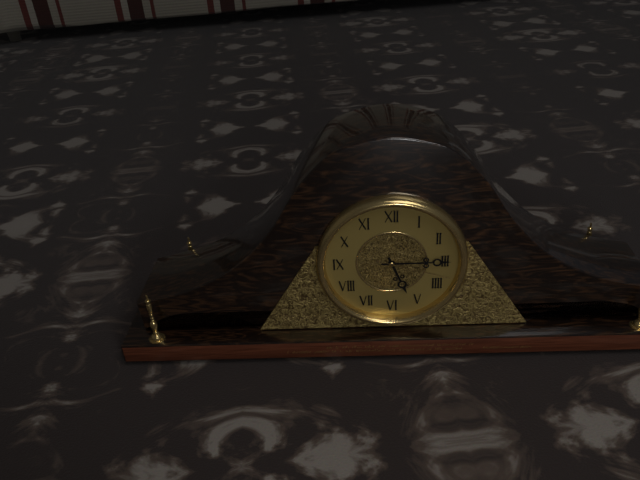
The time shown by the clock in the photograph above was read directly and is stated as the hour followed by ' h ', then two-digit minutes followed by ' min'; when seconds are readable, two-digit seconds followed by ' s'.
5 h 15 min 18 s
